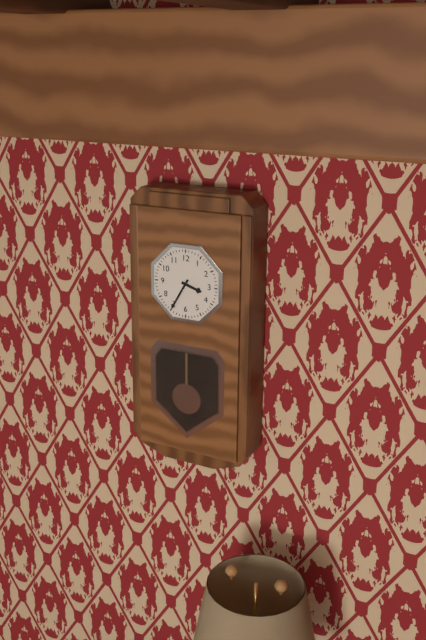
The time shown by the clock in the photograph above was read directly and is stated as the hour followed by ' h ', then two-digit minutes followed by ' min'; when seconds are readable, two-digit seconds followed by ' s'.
3 h 35 min
